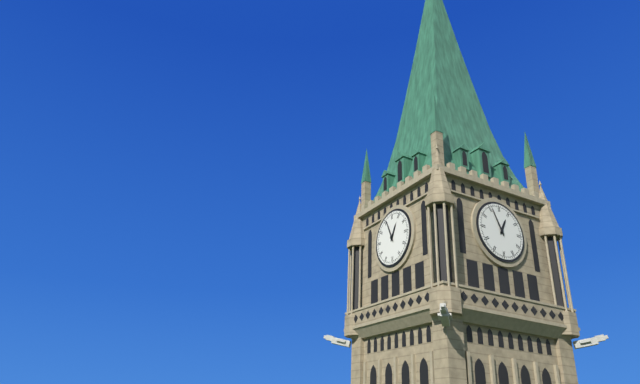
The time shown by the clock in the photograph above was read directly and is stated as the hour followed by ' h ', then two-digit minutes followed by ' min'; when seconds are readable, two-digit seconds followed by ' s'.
12 h 56 min
